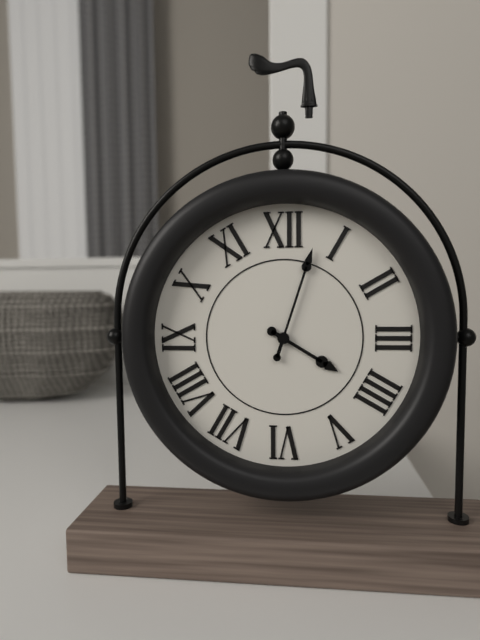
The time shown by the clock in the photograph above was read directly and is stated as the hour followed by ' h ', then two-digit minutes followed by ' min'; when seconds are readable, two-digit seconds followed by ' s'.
4 h 03 min
